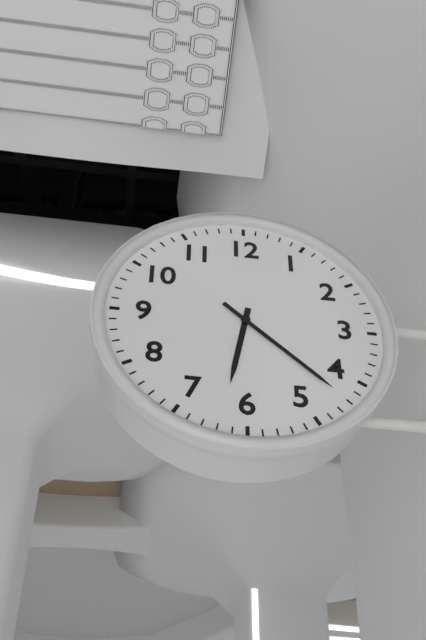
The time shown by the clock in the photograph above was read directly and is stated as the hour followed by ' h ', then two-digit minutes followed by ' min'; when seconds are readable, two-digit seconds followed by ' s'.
6 h 22 min
